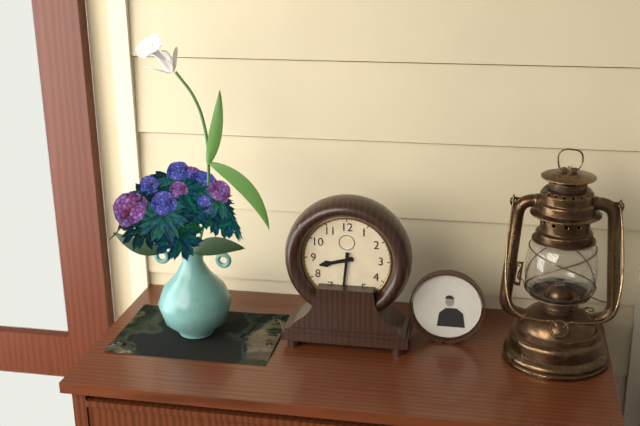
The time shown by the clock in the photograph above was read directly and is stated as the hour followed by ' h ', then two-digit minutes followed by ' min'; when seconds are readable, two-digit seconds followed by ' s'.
8 h 31 min
